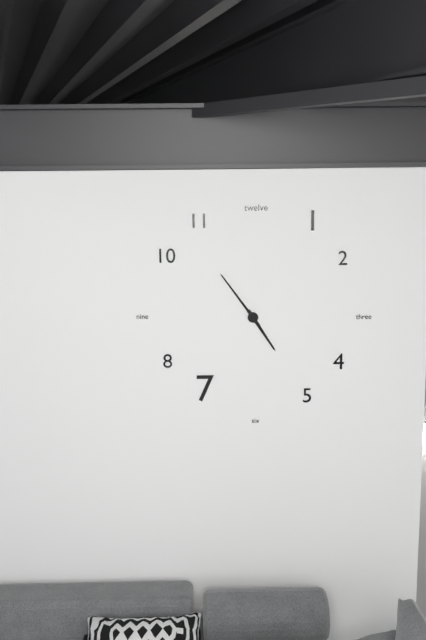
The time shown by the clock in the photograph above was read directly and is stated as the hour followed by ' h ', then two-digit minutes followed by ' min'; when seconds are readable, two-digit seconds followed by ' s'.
4 h 54 min
